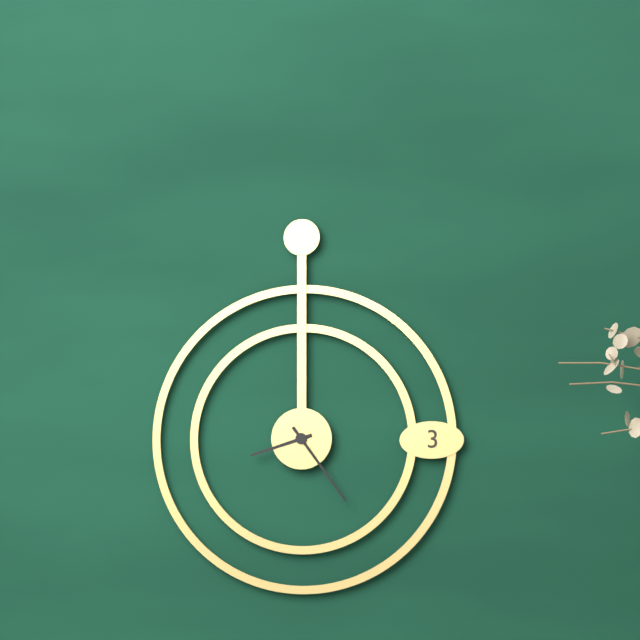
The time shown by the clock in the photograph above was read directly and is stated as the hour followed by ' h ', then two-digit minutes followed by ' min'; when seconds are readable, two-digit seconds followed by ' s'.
8 h 24 min
